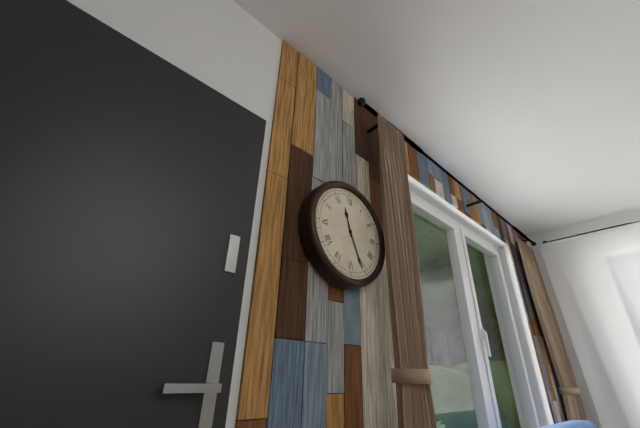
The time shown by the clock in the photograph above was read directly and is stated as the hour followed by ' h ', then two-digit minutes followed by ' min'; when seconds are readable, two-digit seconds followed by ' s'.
11 h 26 min
